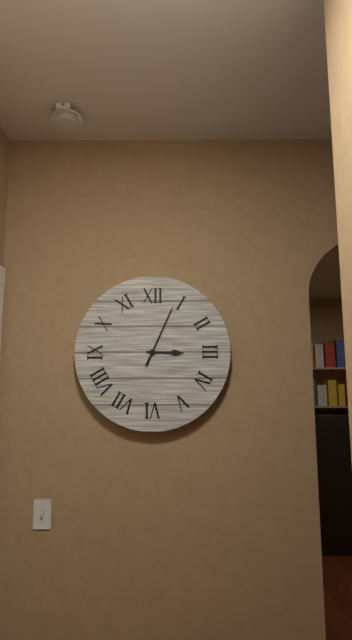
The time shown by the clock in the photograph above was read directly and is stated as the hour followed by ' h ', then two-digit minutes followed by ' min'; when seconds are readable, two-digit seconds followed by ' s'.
3 h 04 min
